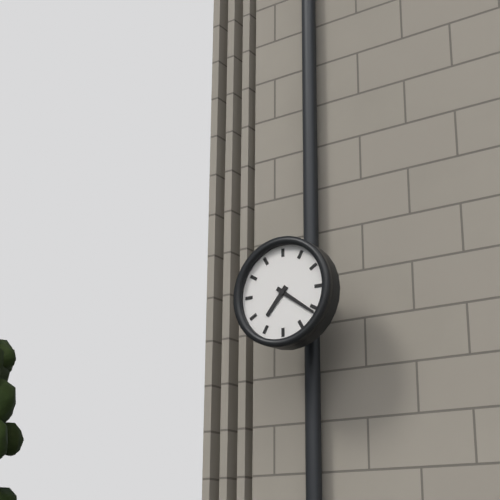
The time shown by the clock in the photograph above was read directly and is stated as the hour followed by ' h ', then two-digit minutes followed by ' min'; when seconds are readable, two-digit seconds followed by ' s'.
7 h 21 min
